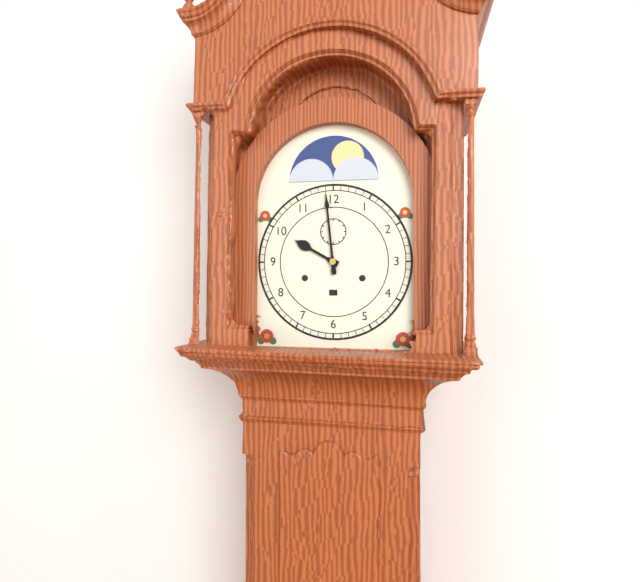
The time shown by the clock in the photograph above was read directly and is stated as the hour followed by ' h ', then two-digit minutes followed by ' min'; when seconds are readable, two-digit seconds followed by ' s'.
9 h 59 min
